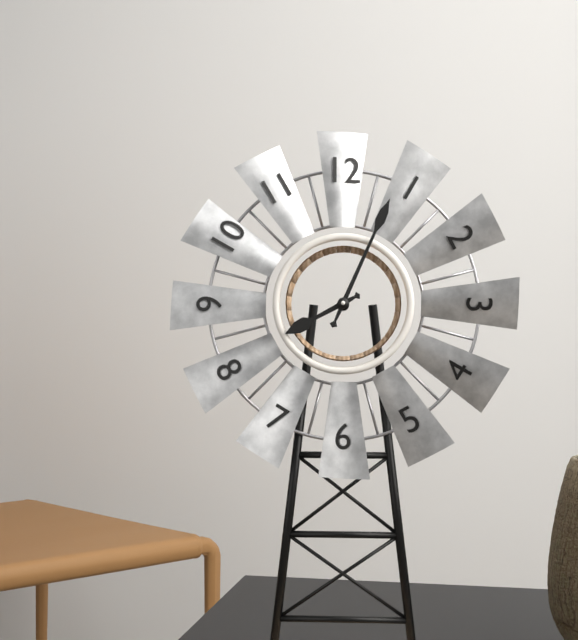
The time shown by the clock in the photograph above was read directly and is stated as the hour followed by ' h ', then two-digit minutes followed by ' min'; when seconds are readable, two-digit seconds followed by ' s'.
8 h 04 min
